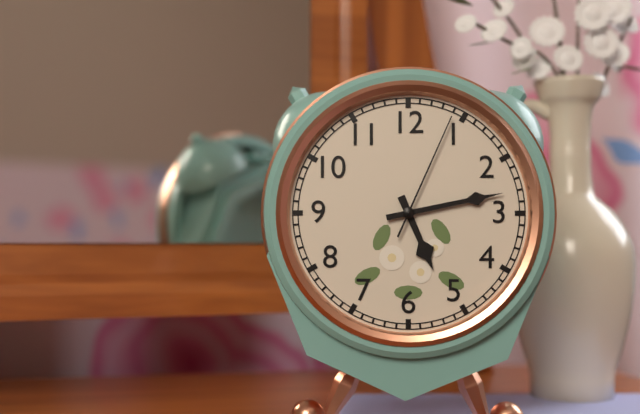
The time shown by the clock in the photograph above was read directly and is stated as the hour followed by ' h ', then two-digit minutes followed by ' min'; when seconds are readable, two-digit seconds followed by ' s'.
5 h 13 min 04 s
